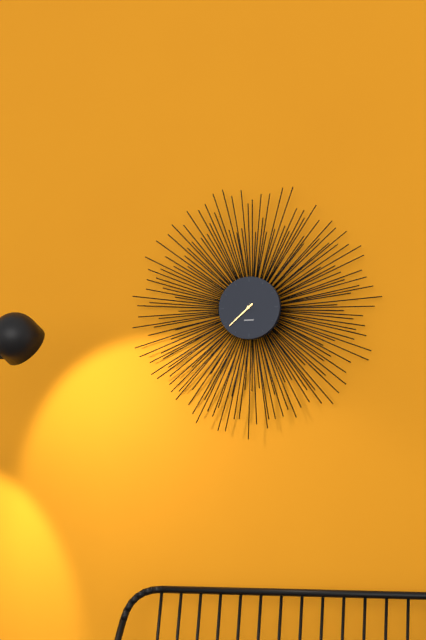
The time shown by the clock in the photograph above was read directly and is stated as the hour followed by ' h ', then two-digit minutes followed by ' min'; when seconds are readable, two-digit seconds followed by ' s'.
7 h 38 min
